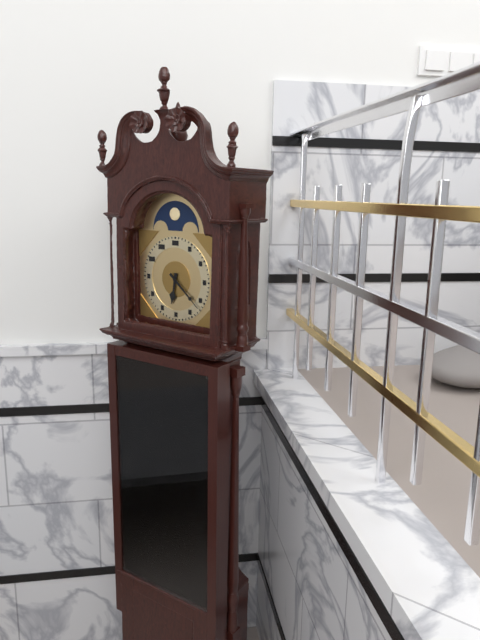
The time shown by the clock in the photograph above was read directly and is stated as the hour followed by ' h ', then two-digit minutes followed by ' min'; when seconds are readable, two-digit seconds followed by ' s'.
6 h 22 min
